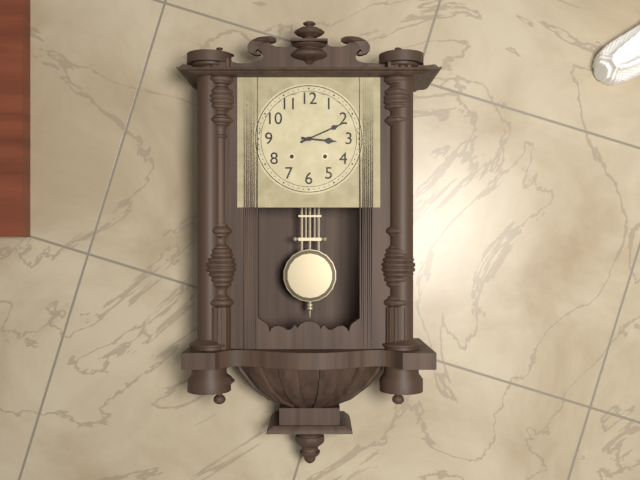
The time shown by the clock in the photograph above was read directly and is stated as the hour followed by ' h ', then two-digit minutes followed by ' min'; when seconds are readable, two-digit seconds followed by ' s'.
3 h 11 min
